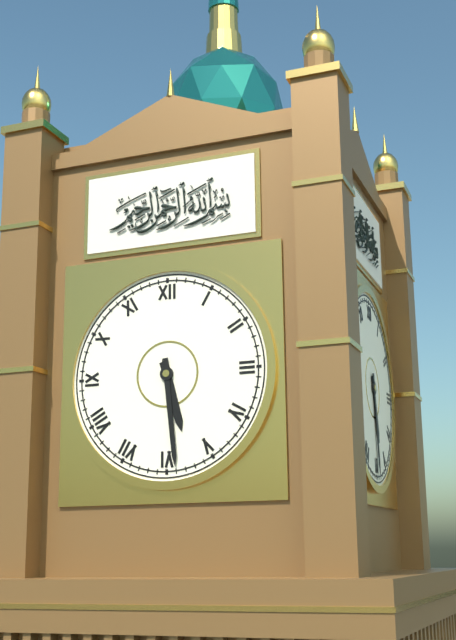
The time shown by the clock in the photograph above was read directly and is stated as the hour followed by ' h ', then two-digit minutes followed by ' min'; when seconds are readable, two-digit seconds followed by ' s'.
5 h 29 min
